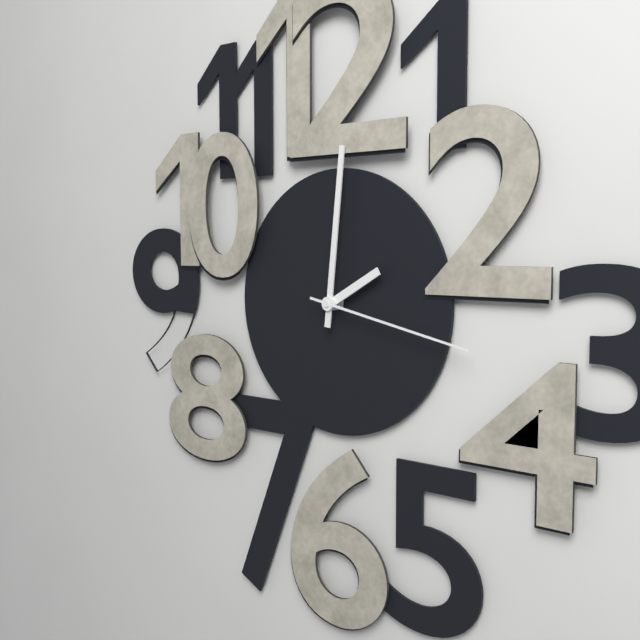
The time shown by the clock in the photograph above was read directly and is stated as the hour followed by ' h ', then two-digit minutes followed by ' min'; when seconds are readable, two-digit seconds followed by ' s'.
2 h 01 min 17 s
